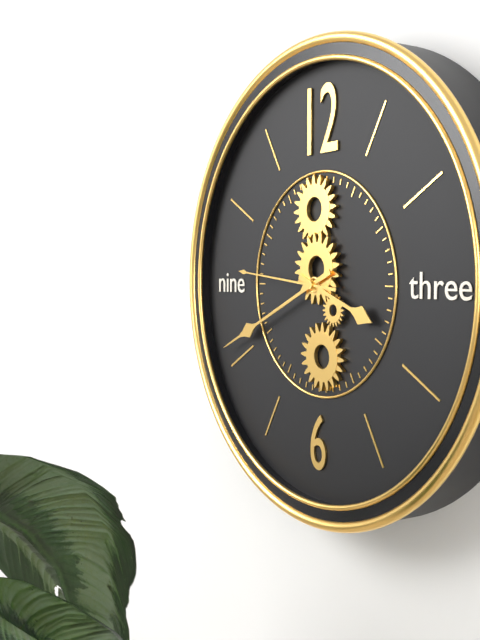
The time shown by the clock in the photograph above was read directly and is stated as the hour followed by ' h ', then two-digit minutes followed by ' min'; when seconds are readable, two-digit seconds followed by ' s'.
3 h 41 min 46 s
